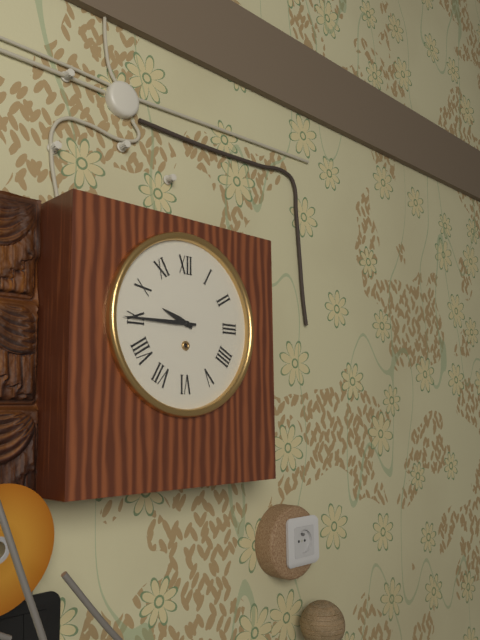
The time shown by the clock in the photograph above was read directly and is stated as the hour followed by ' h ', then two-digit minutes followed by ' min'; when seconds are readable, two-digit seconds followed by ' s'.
9 h 45 min
